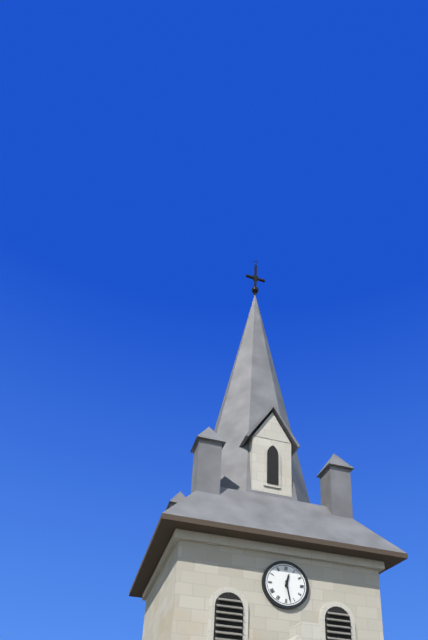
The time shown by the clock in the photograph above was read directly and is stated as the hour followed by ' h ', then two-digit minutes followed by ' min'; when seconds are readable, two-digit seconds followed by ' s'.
12 h 28 min
